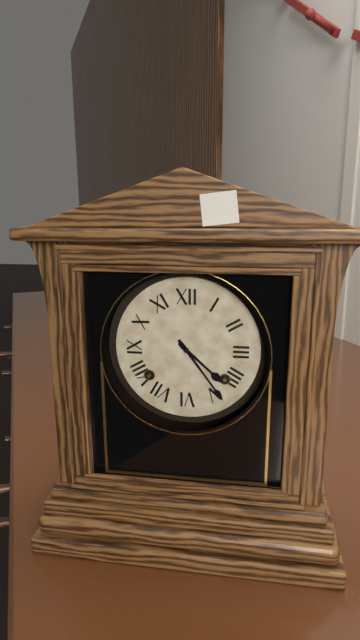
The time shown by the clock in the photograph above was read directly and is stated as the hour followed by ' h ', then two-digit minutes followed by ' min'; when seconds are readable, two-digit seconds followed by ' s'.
4 h 24 min
